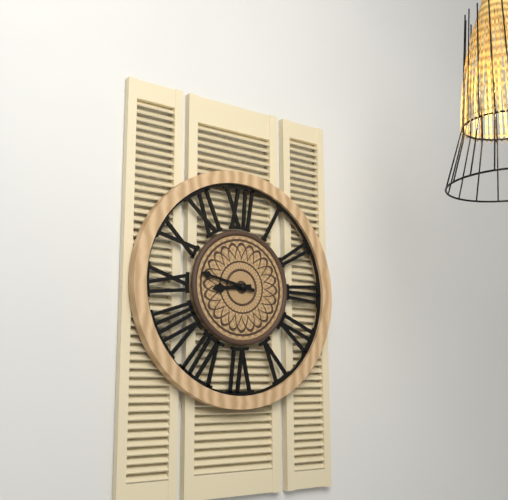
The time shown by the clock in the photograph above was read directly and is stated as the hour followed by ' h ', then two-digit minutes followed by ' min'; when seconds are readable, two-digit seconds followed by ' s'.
8 h 47 min
